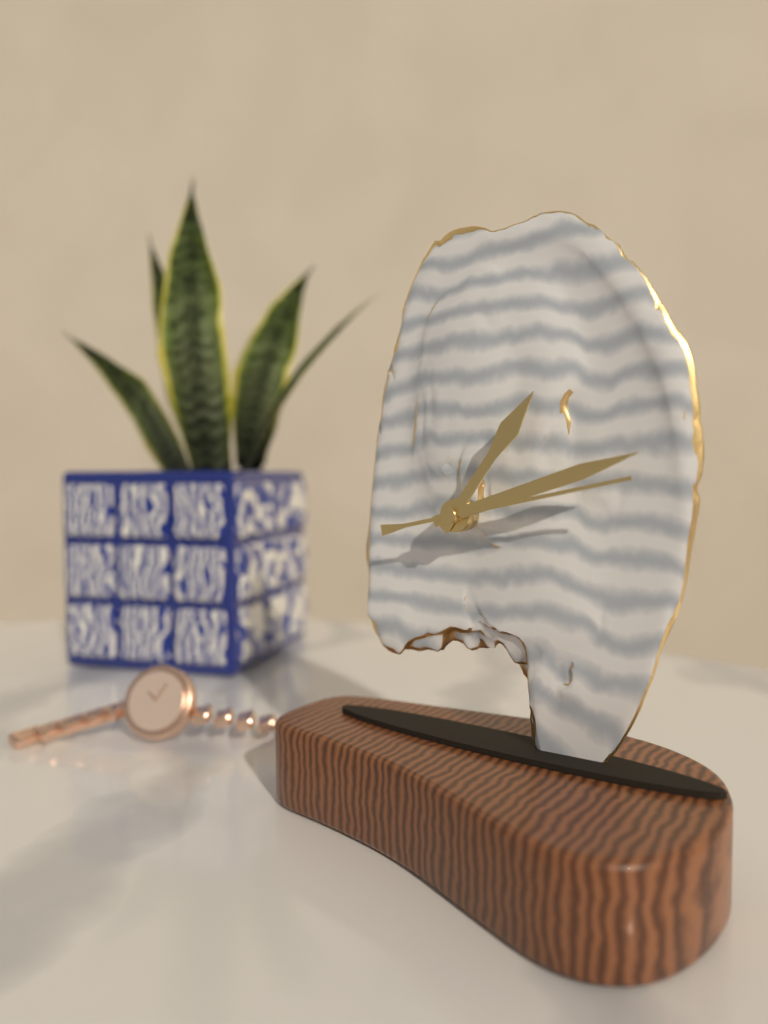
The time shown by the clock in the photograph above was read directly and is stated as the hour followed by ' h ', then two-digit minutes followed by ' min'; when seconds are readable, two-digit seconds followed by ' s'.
1 h 12 min 13 s
